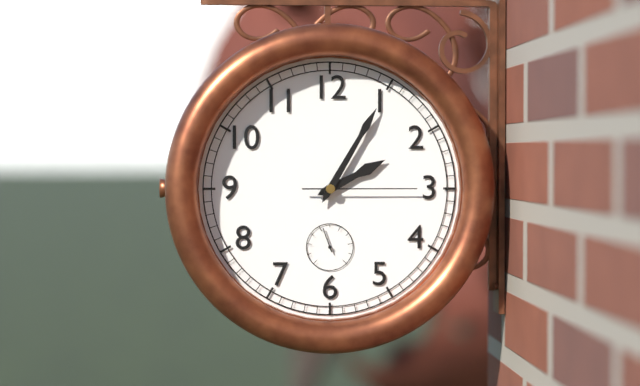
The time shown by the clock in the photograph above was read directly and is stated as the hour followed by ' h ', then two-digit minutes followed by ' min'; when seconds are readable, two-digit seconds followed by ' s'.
2 h 05 min 15 s
